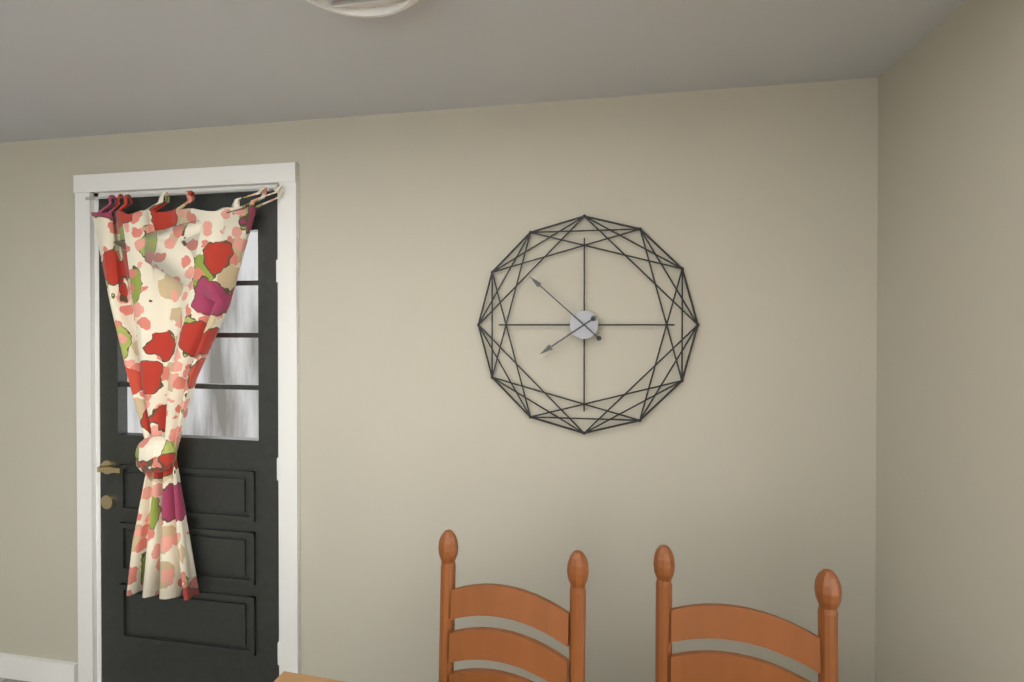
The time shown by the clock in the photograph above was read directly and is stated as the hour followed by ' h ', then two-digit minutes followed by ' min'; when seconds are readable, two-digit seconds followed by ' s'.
7 h 52 min
